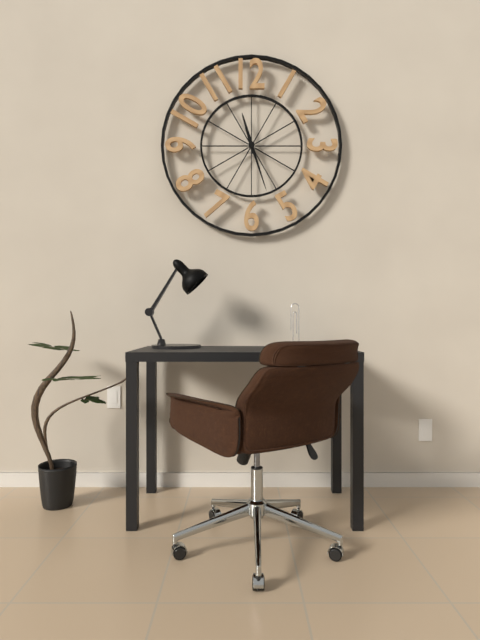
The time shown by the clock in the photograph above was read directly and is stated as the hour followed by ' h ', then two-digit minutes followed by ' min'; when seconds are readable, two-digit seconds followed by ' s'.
11 h 27 min
